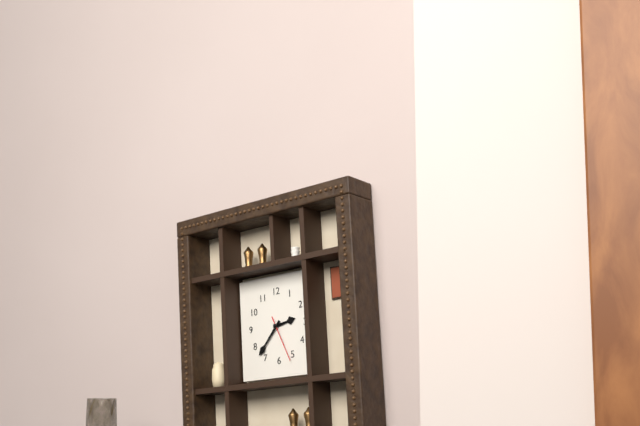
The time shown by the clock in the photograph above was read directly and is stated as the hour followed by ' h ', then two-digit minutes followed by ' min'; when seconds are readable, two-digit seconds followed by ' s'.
2 h 37 min
